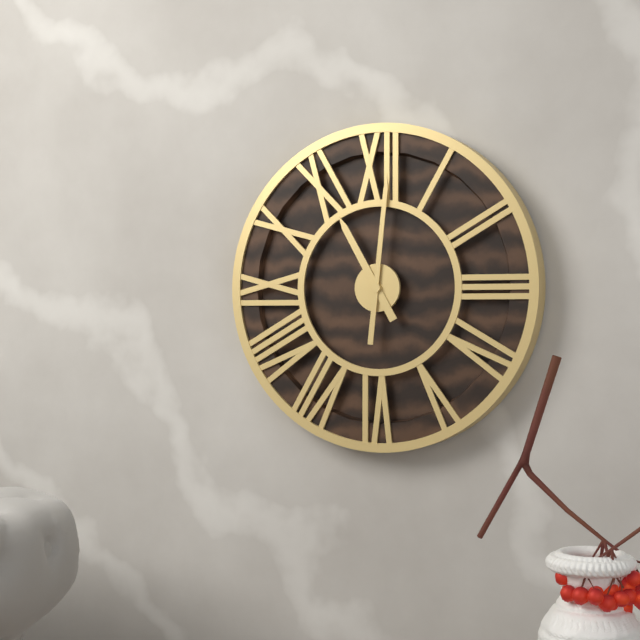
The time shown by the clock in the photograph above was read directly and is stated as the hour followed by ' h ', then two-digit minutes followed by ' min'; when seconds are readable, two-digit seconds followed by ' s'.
11 h 01 min
